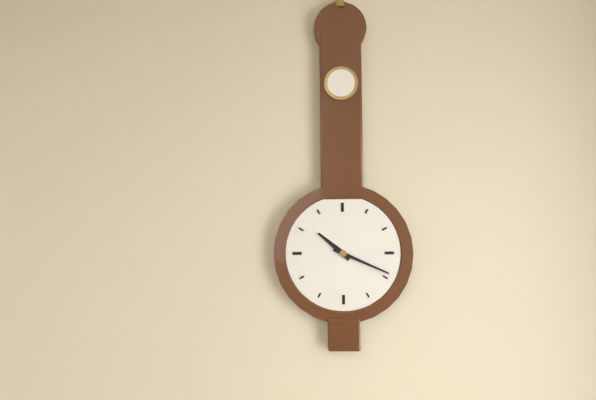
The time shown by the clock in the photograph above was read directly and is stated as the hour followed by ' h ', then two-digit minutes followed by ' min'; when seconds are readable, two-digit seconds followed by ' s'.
10 h 19 min
